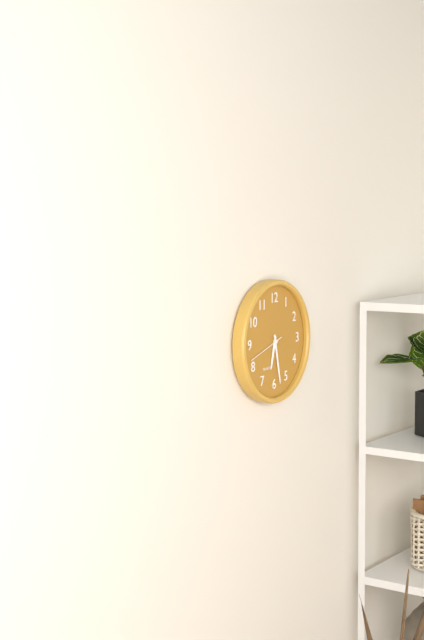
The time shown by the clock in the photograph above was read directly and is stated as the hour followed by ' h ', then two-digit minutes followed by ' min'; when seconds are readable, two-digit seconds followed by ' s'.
6 h 28 min
